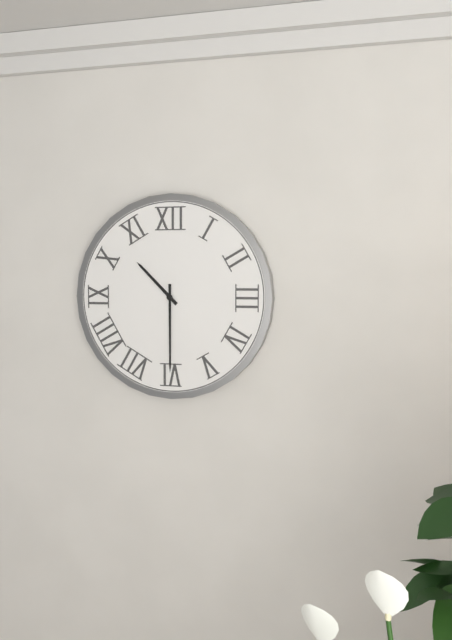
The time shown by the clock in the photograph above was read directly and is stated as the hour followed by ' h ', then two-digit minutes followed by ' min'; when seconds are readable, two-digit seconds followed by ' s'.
10 h 30 min
